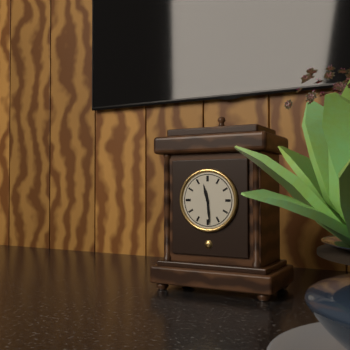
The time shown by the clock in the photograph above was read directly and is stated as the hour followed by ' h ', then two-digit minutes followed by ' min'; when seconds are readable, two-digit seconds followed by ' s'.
11 h 29 min
